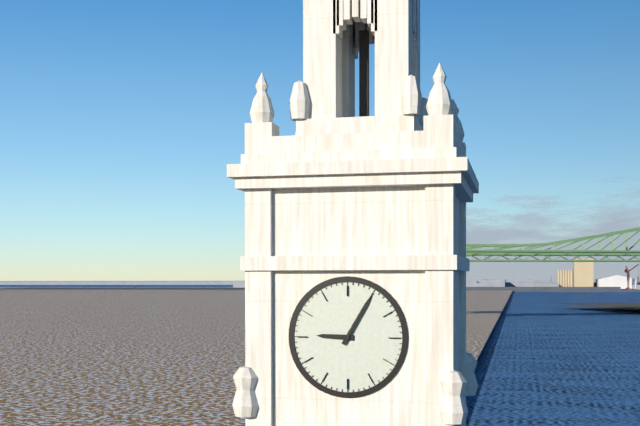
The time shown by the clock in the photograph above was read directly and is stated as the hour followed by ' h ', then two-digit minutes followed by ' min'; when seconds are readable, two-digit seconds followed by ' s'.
9 h 05 min
